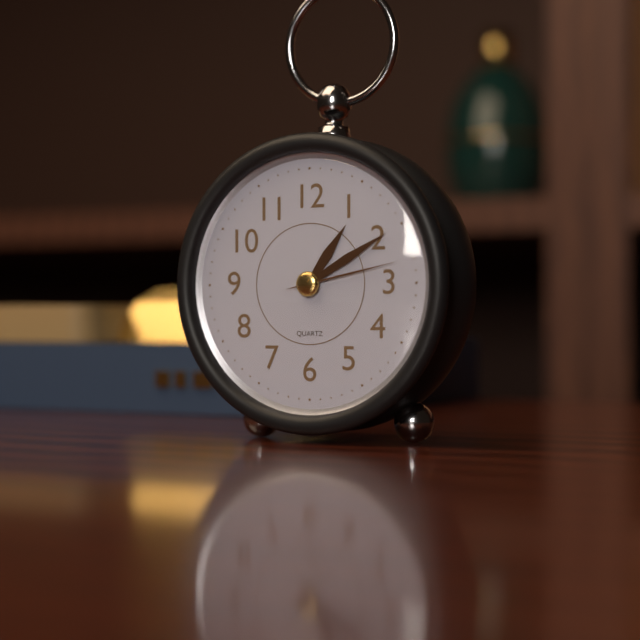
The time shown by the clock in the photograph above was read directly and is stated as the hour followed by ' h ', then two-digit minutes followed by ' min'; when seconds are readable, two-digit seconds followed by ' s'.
1 h 10 min 13 s
